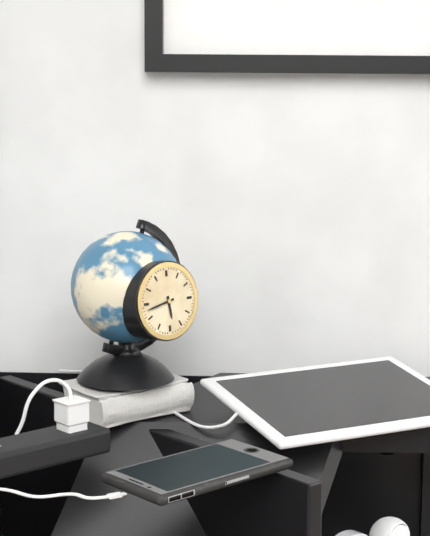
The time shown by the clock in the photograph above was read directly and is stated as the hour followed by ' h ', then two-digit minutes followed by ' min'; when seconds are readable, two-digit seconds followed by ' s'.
5 h 43 min
